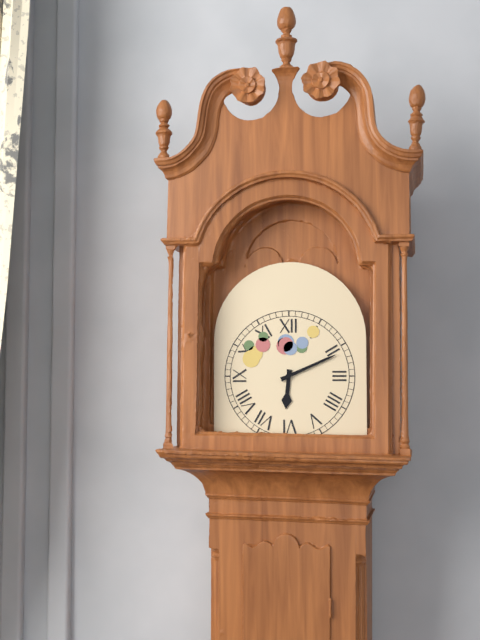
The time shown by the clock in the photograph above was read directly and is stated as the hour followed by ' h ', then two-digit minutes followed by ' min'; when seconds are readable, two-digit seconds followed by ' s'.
6 h 11 min
